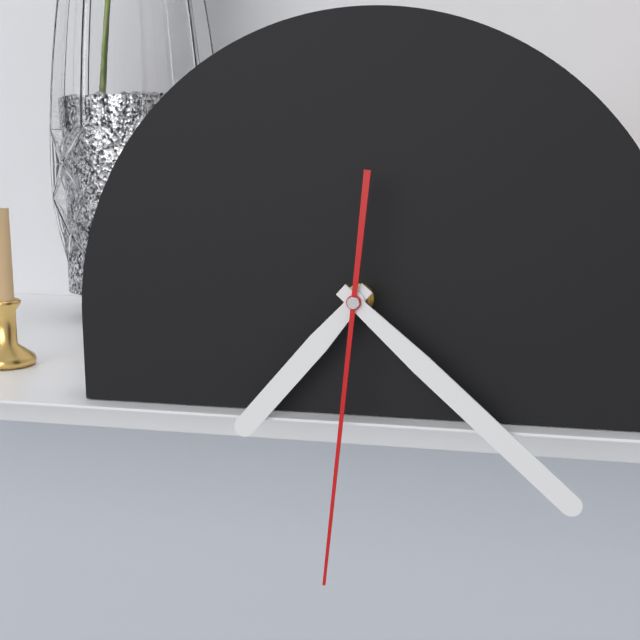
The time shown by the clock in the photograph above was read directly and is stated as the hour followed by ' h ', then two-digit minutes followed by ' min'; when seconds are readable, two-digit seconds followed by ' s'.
7 h 22 min 31 s
